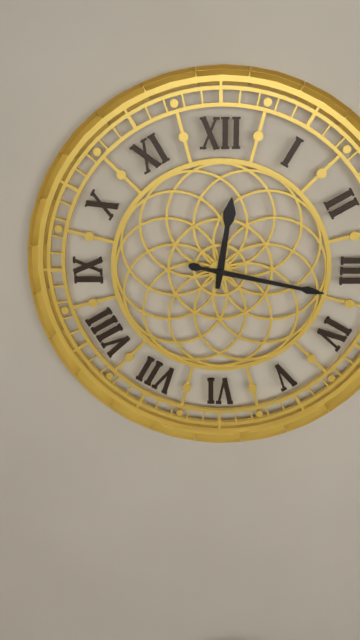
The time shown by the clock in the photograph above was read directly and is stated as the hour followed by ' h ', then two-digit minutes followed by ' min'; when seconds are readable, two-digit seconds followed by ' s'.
12 h 17 min
